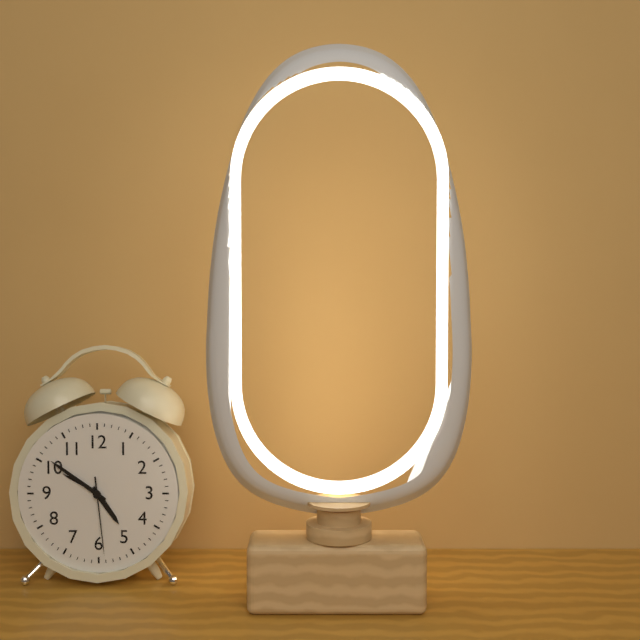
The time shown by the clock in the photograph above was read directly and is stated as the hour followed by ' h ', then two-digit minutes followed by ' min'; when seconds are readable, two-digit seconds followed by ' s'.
4 h 51 min 29 s
